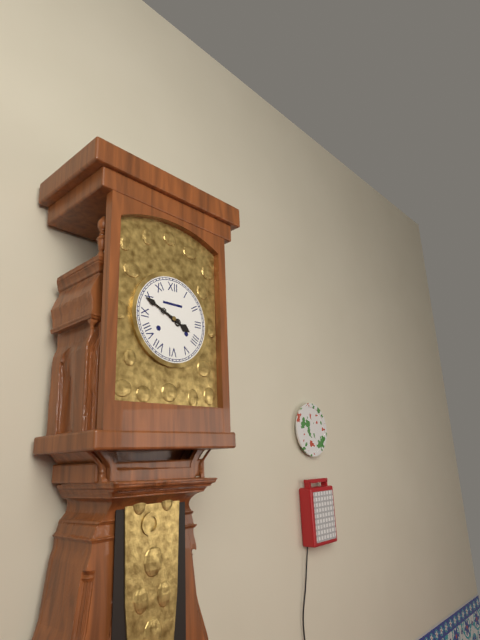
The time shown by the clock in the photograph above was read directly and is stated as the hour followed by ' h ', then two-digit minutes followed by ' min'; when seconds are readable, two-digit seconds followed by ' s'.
3 h 49 min
